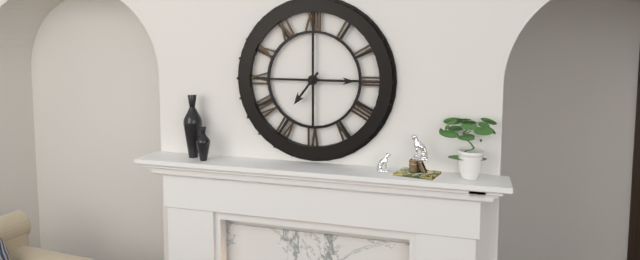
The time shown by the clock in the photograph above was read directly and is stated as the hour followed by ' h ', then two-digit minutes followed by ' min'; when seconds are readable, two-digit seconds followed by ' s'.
7 h 15 min
